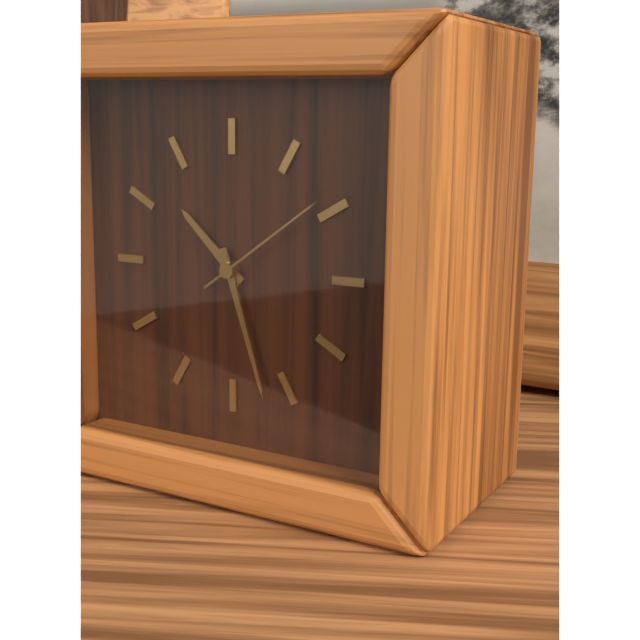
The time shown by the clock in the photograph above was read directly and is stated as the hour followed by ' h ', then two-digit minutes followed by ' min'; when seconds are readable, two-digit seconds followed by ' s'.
10 h 27 min 09 s
